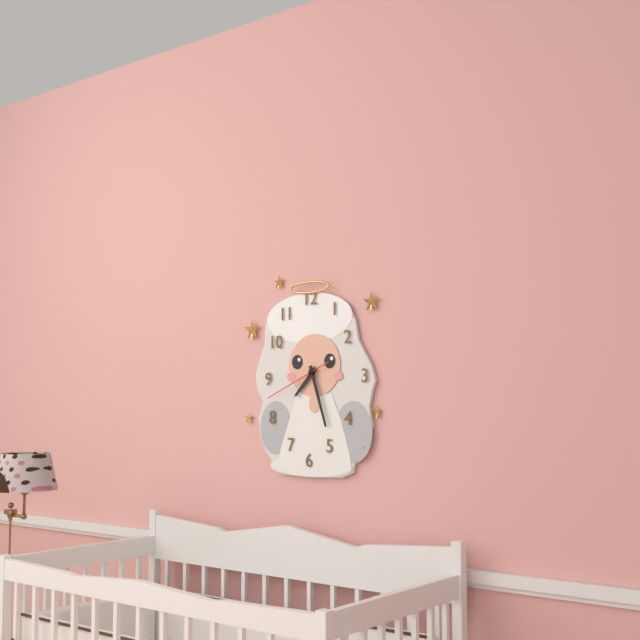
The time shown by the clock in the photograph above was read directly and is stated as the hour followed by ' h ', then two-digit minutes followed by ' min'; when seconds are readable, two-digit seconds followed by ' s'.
7 h 27 min 41 s
